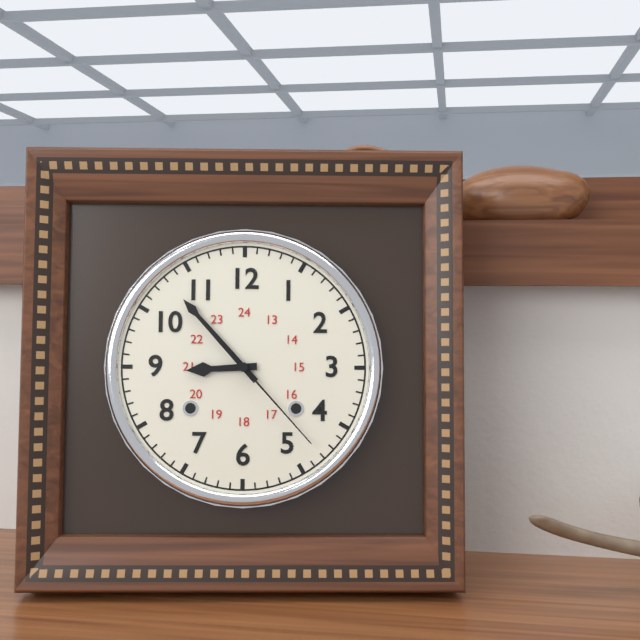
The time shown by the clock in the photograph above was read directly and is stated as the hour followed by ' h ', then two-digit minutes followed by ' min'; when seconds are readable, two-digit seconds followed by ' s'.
8 h 53 min 23 s
